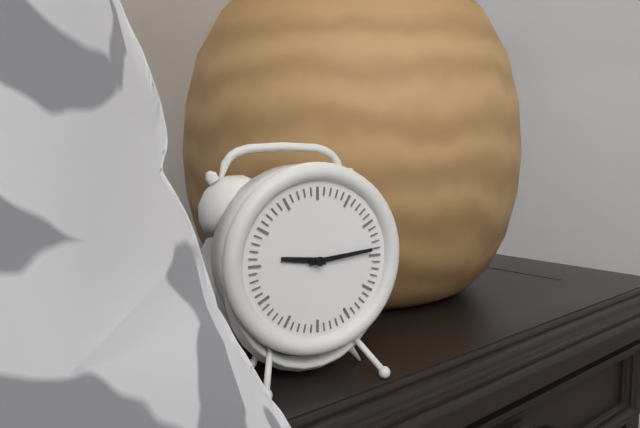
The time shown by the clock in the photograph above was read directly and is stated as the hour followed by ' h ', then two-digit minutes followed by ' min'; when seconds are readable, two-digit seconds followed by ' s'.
9 h 14 min
